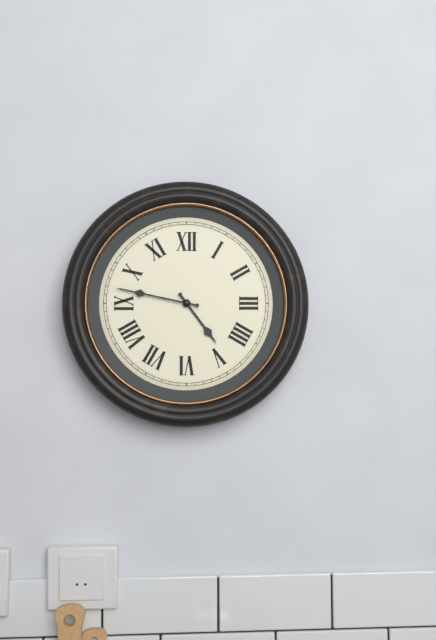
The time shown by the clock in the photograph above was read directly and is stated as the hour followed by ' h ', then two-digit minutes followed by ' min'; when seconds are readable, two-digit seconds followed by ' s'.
4 h 47 min
